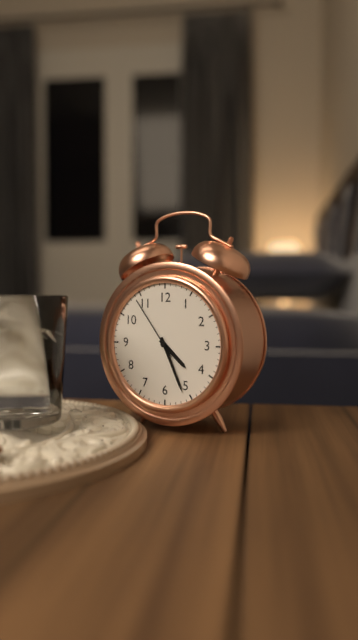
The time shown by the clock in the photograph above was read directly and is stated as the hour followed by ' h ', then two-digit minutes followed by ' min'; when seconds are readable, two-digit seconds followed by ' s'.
4 h 26 min 54 s
